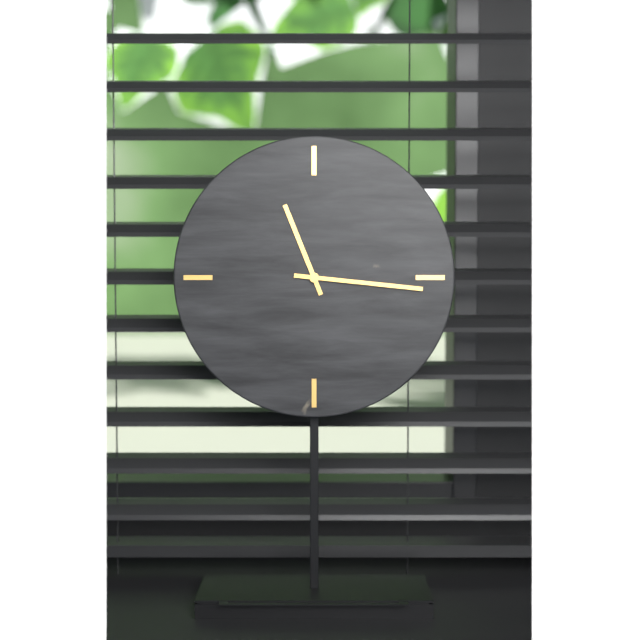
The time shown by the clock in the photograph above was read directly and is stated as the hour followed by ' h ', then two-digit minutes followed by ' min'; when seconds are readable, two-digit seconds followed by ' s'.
11 h 16 min
